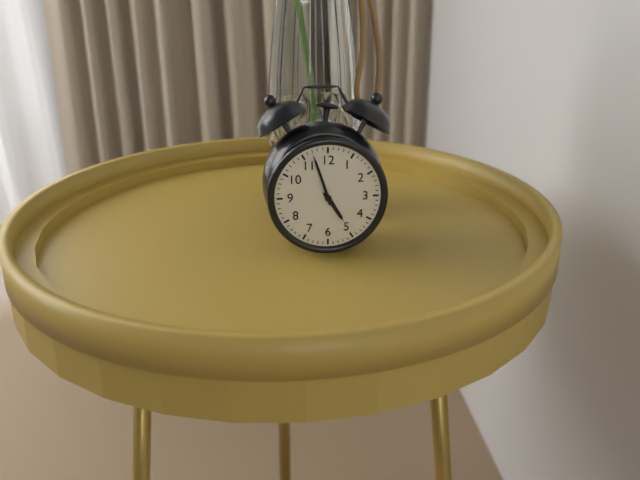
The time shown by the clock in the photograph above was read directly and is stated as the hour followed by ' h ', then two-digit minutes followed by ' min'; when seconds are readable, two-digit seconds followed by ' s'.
4 h 57 min
